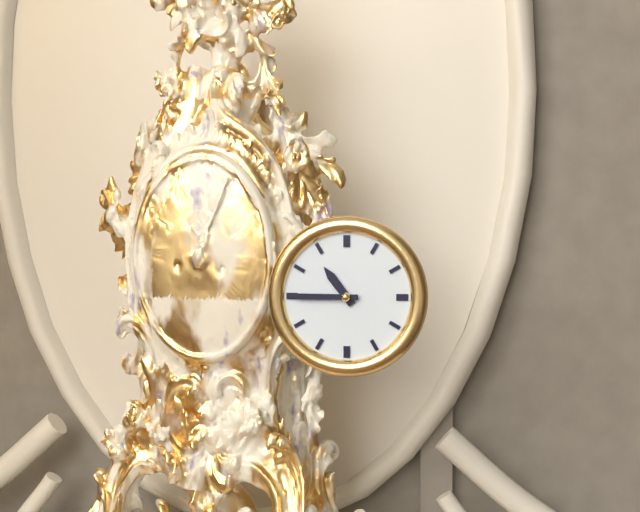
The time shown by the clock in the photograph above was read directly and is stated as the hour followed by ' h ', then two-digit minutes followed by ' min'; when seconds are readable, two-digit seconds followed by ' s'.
10 h 45 min
